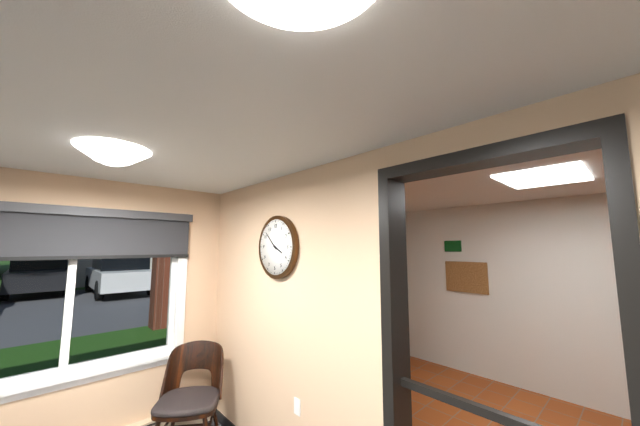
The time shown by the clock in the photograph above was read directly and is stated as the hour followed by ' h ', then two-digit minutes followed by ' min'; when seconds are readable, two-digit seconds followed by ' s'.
3 h 52 min
